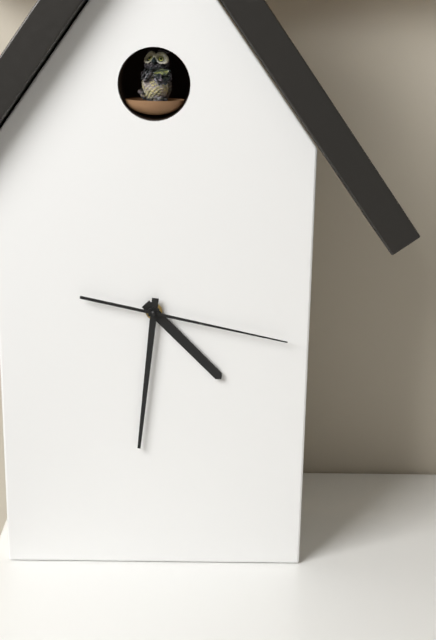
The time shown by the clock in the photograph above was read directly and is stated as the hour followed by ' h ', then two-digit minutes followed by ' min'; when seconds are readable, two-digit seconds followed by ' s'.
4 h 31 min 17 s
